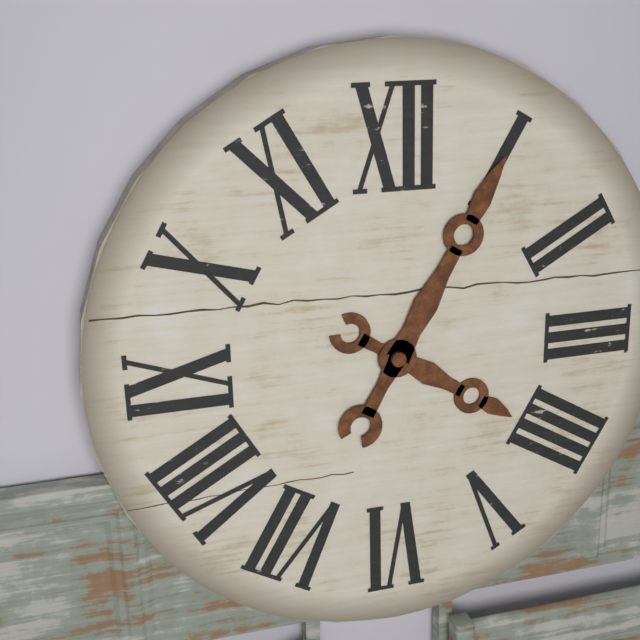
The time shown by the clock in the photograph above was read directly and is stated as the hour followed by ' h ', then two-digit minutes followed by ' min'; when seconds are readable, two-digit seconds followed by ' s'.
4 h 05 min
